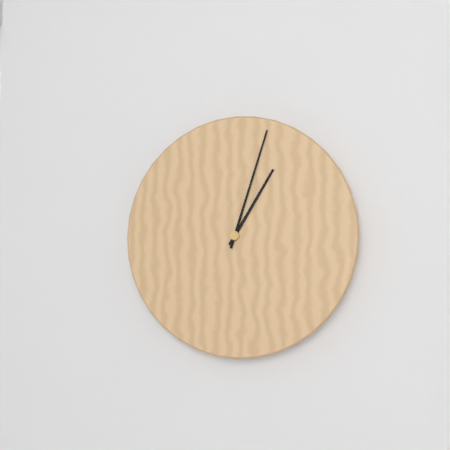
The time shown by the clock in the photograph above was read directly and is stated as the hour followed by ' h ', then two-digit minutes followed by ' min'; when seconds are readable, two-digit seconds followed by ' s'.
1 h 03 min
